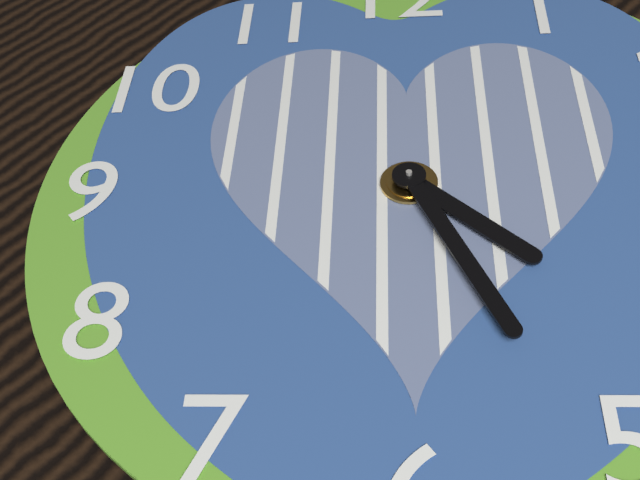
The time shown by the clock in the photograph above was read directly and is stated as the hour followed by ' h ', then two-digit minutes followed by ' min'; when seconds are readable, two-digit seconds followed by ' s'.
4 h 26 min
